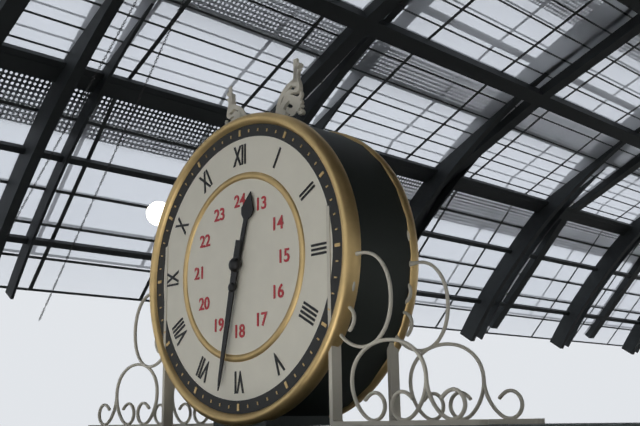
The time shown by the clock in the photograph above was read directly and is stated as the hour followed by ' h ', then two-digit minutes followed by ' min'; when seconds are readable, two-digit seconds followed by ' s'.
12 h 32 min
